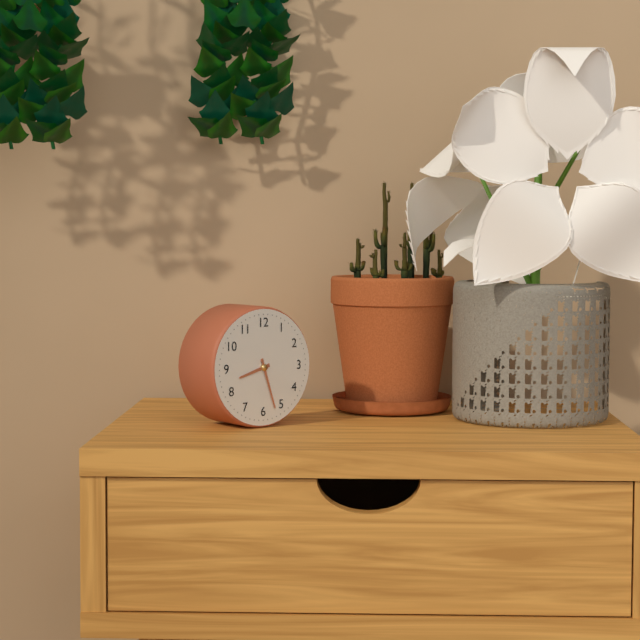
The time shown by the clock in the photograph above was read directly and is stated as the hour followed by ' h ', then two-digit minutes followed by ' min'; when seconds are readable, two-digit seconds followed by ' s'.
8 h 27 min
